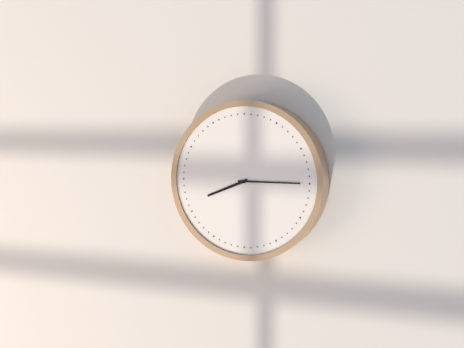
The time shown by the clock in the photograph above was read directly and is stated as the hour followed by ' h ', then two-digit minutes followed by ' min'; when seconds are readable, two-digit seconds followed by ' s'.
8 h 15 min
